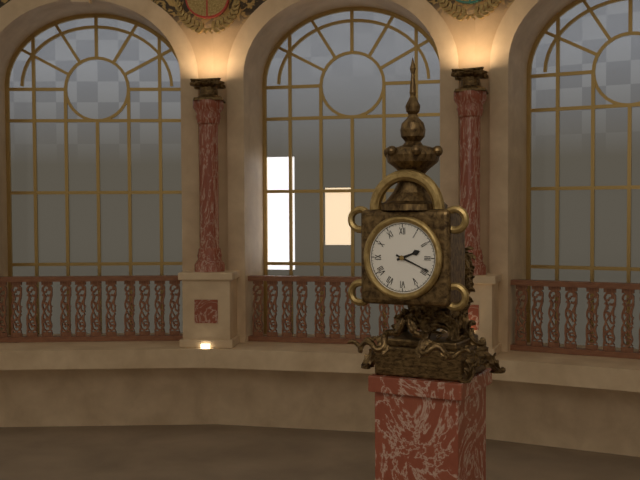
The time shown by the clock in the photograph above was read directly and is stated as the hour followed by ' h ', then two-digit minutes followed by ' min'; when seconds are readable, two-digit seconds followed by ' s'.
2 h 19 min
